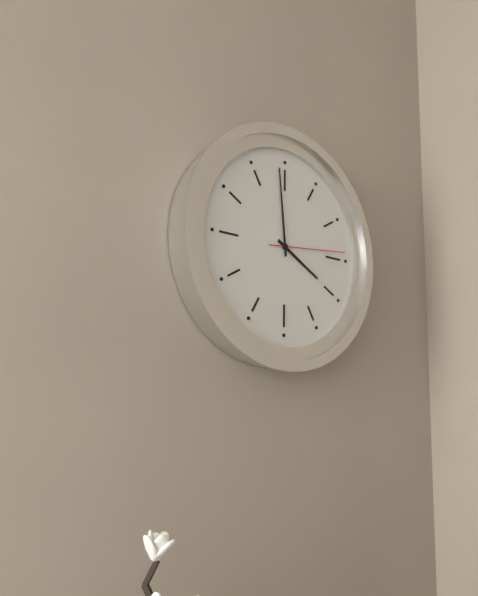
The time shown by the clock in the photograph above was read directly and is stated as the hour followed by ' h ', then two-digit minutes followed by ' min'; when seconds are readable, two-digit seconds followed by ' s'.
3 h 59 min 14 s
